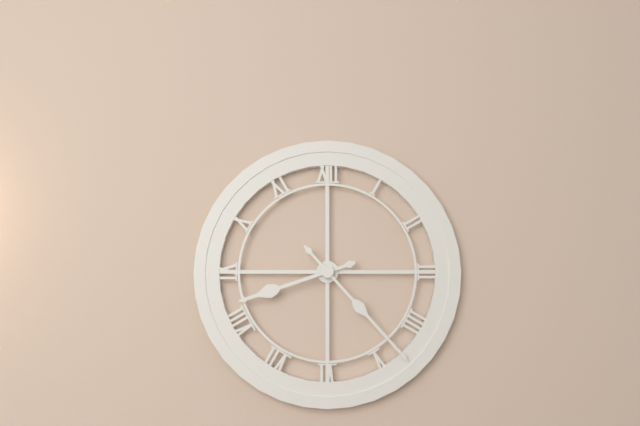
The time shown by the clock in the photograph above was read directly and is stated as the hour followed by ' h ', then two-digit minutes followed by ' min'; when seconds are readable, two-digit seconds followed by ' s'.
8 h 23 min
